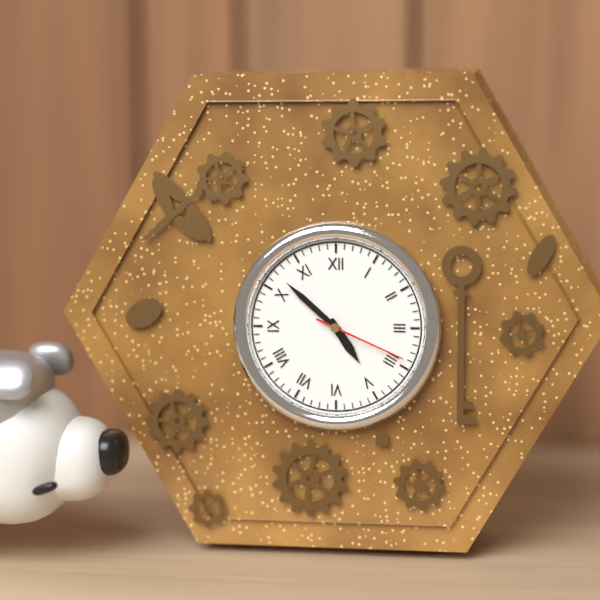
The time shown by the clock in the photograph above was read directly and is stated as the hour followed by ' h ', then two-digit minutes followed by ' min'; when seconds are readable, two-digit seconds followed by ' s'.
4 h 52 min 19 s
